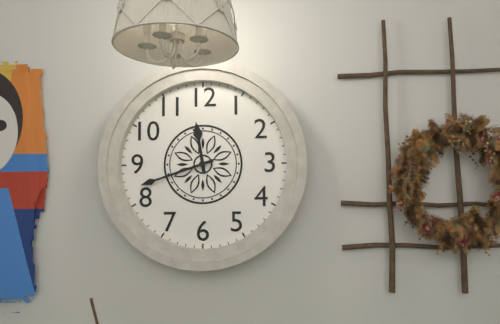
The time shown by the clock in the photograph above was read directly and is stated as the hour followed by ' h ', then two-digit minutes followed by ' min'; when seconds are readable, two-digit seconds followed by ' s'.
11 h 42 min
